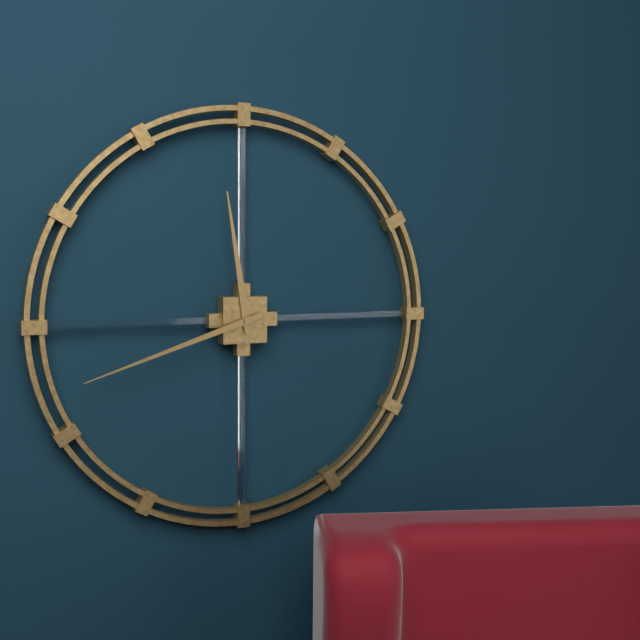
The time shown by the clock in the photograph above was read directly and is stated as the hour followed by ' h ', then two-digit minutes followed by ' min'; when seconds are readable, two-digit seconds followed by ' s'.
11 h 42 min
